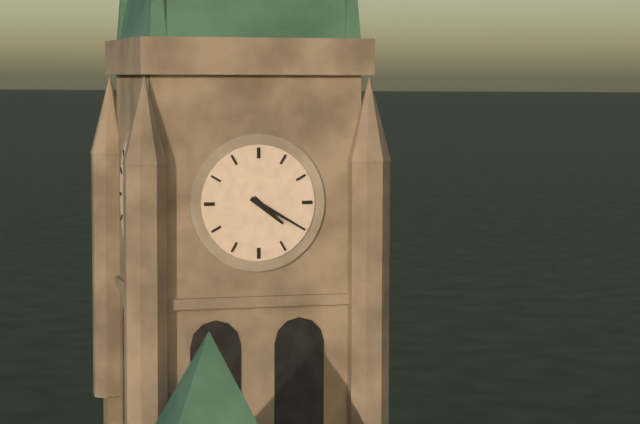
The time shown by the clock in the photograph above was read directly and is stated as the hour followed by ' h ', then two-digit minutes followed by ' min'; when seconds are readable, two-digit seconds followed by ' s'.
4 h 20 min
